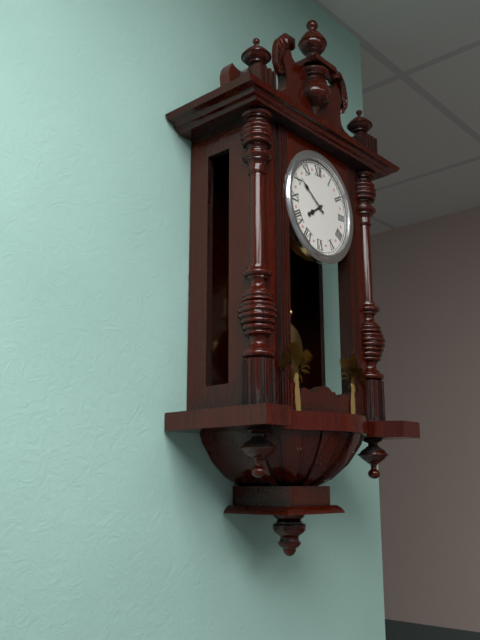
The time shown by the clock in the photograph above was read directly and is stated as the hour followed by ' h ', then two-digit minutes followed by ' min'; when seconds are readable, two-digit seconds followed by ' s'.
7 h 51 min
